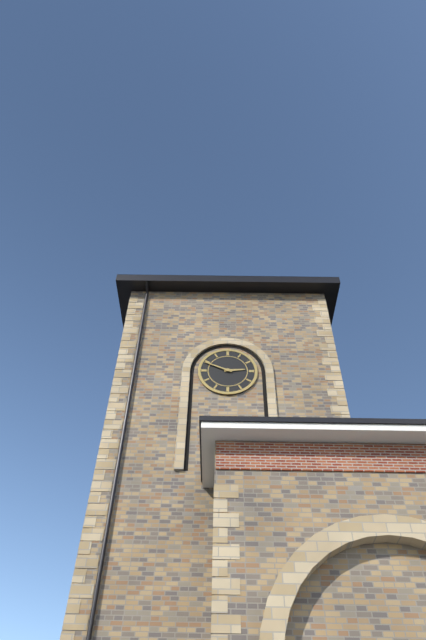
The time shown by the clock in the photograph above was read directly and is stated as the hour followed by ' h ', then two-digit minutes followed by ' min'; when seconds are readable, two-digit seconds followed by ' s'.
2 h 49 min
